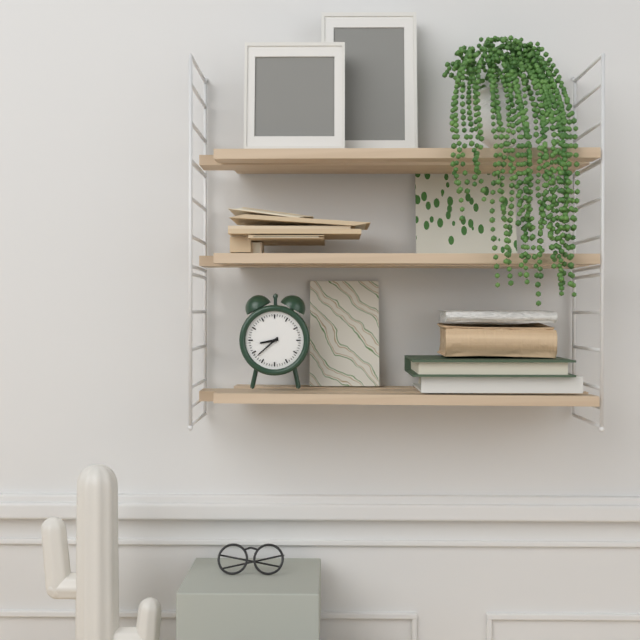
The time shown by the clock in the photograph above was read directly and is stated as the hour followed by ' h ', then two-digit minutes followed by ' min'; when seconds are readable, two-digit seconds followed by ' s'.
8 h 38 min
